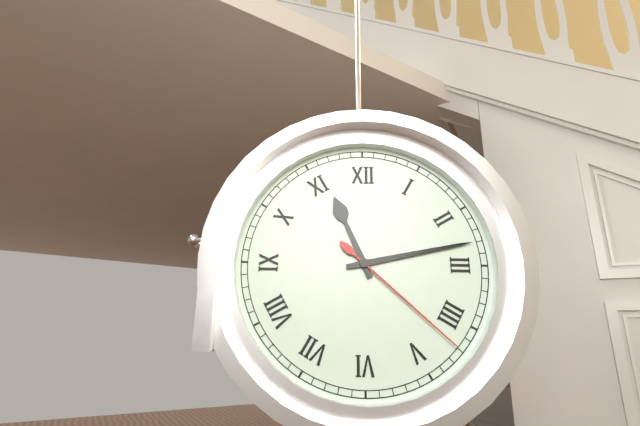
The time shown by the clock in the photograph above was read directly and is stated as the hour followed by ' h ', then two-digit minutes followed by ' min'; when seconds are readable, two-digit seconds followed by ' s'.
11 h 13 min 22 s
